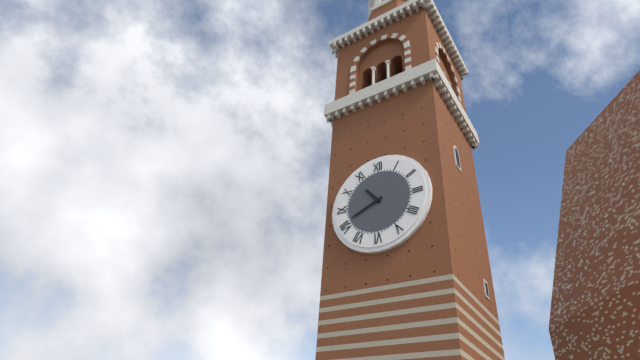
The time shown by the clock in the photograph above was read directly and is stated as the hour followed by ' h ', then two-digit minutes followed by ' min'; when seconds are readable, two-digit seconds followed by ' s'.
10 h 41 min
